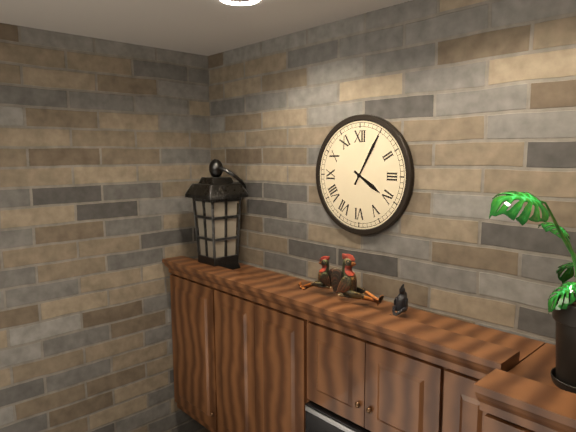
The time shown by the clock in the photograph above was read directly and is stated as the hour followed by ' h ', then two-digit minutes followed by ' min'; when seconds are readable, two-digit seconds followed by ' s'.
4 h 05 min
